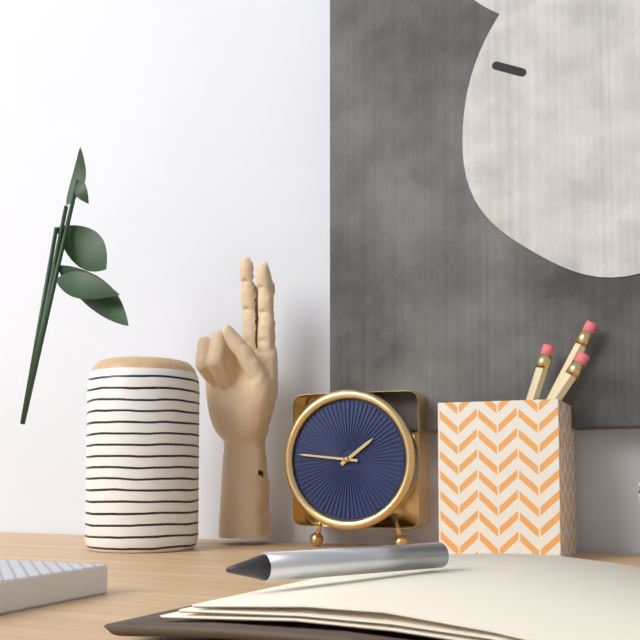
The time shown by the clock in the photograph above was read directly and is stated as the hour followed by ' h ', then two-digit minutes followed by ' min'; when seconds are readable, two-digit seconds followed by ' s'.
1 h 46 min
